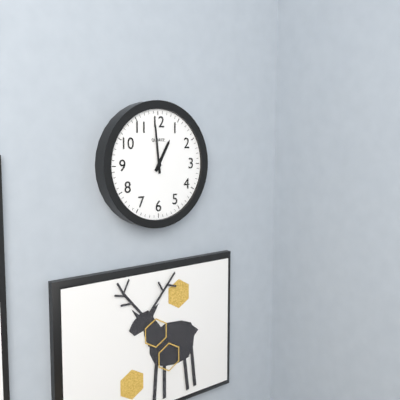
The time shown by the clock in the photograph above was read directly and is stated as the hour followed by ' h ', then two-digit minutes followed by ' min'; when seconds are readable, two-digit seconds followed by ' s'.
12 h 59 min
